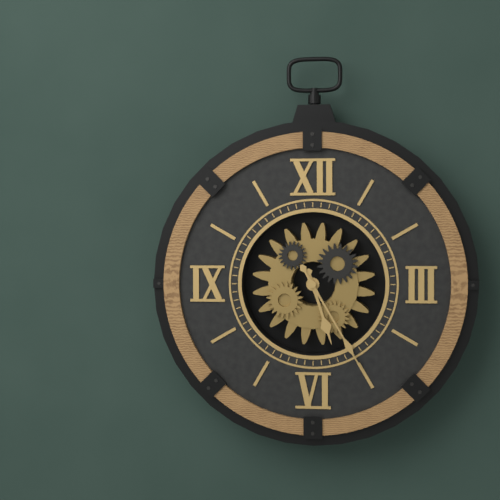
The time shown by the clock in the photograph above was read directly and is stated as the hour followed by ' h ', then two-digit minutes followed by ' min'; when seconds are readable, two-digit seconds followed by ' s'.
5 h 25 min
